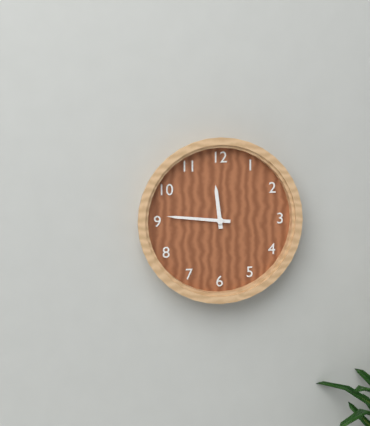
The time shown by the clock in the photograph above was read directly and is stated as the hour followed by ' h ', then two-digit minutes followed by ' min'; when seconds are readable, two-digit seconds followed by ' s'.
11 h 46 min
